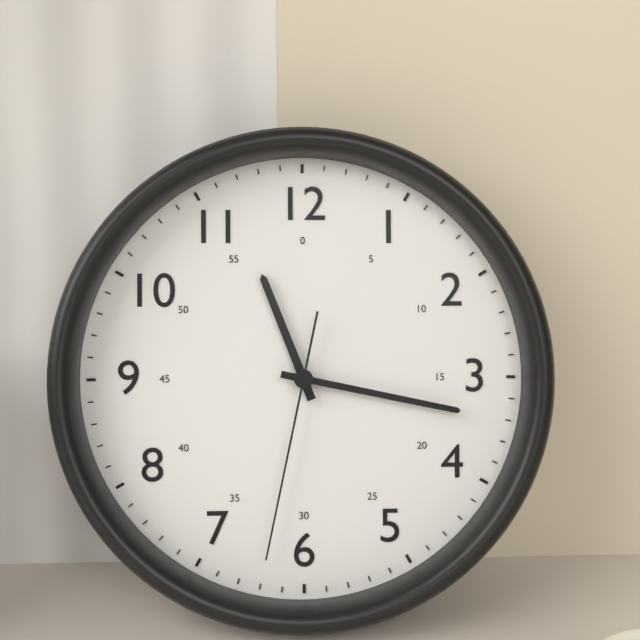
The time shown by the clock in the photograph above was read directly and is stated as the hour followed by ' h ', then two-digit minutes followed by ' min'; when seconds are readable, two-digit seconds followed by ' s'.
11 h 17 min 32 s
